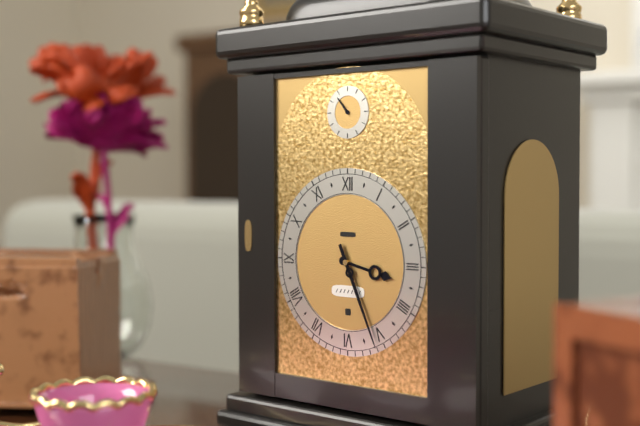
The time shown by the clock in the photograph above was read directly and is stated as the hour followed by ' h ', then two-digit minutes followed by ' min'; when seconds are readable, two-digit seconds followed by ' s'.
3 h 26 min
